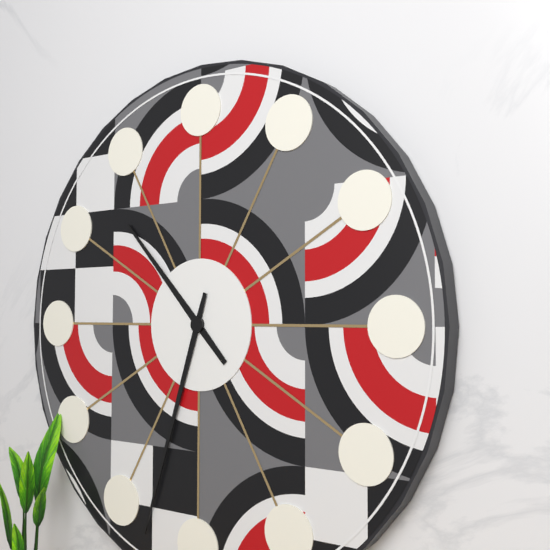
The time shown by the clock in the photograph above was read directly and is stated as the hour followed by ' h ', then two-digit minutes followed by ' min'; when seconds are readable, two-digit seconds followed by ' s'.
10 h 33 min
